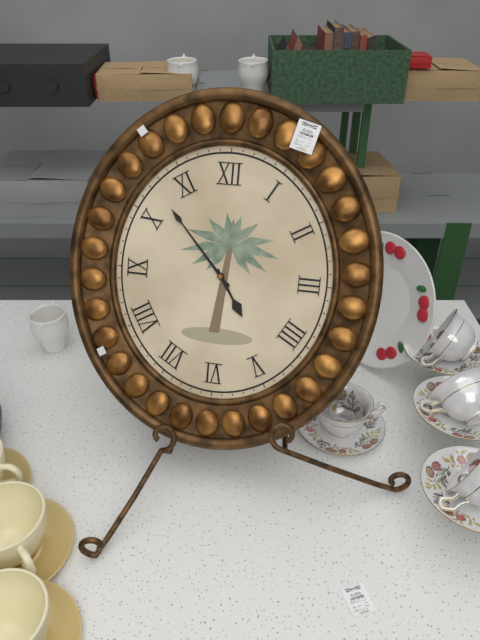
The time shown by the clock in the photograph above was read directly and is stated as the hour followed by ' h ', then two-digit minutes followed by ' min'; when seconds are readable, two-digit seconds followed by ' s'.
4 h 53 min
